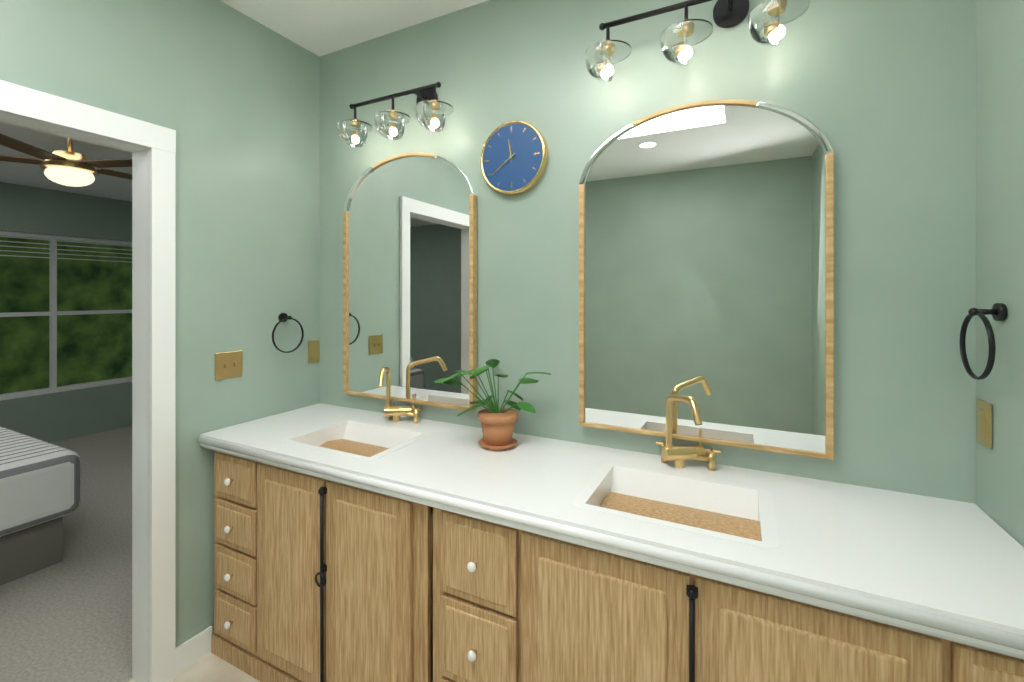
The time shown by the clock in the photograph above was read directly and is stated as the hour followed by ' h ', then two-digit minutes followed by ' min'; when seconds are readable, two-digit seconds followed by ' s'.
11 h 39 min
